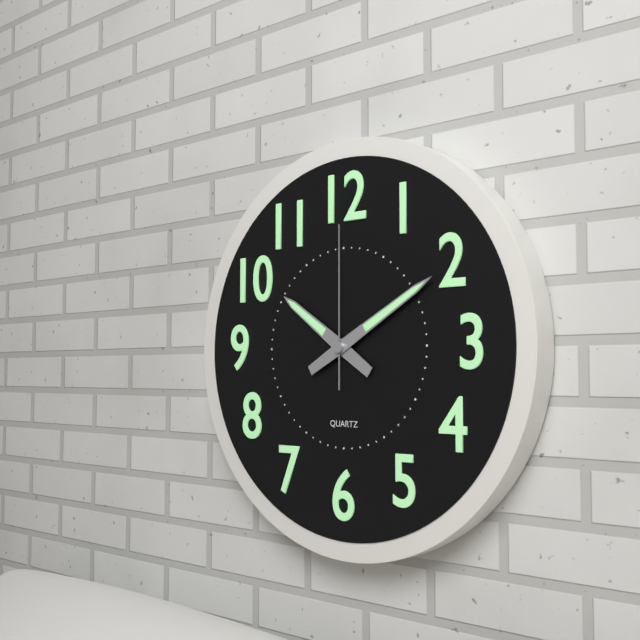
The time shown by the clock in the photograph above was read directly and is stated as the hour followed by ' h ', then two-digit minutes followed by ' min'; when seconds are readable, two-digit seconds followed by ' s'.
10 h 10 min 00 s
